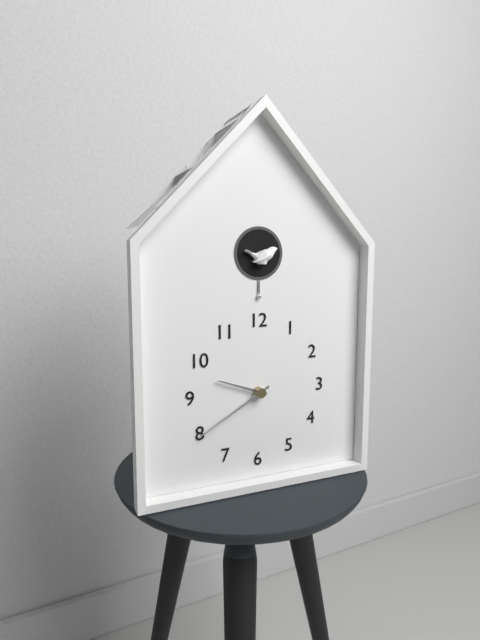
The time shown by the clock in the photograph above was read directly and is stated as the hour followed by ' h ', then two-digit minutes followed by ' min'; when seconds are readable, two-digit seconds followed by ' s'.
9 h 40 min
